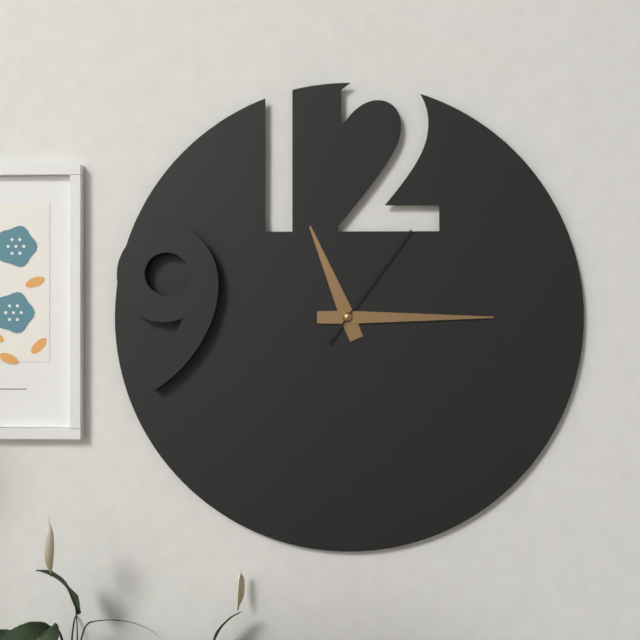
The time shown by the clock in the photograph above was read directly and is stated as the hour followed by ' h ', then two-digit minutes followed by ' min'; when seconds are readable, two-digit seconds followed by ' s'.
11 h 15 min 06 s
